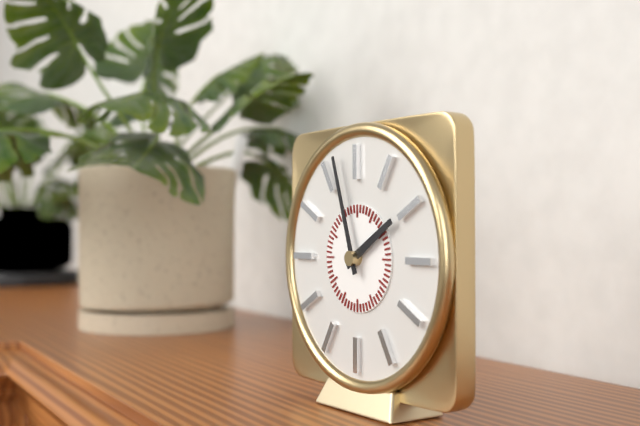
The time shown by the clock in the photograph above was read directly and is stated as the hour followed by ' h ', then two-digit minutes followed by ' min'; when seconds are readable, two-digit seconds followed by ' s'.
1 h 57 min
